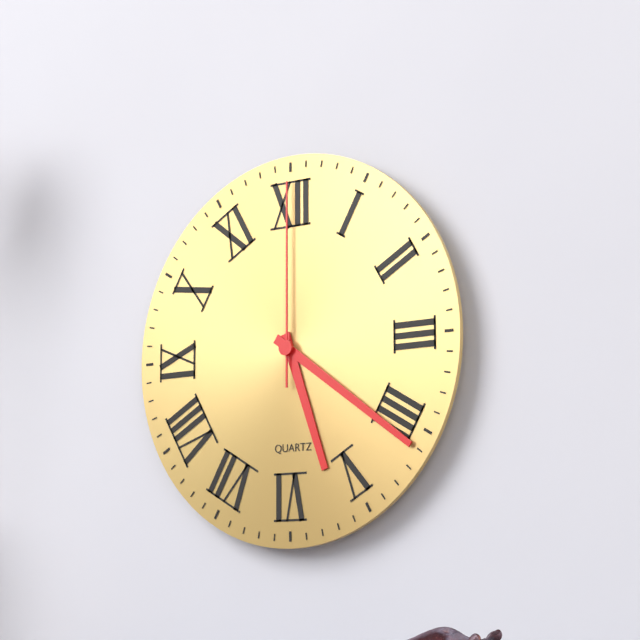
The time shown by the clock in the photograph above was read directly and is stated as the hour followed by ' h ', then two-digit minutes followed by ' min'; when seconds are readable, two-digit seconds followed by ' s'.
5 h 21 min 00 s
